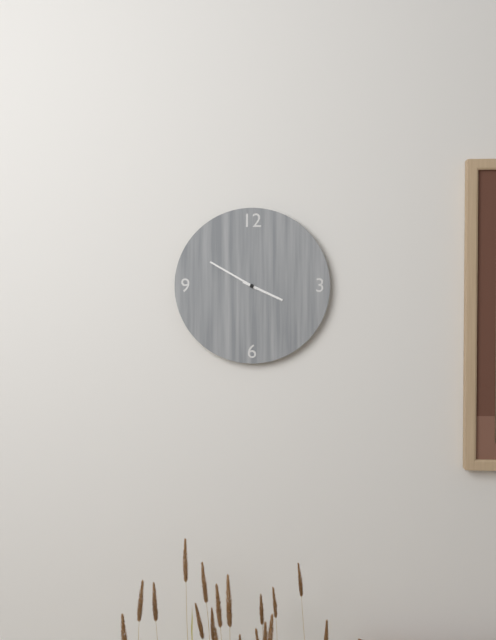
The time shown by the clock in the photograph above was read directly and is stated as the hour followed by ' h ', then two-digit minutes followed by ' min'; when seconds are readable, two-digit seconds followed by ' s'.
3 h 50 min
